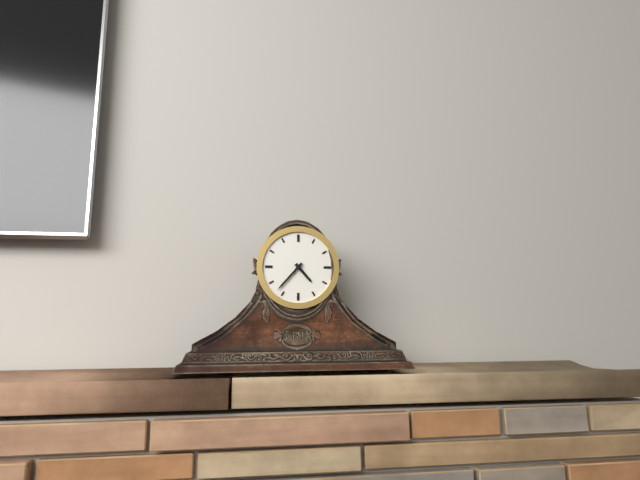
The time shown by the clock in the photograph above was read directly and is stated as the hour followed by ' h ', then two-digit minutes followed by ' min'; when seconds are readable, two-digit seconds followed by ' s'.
4 h 37 min
